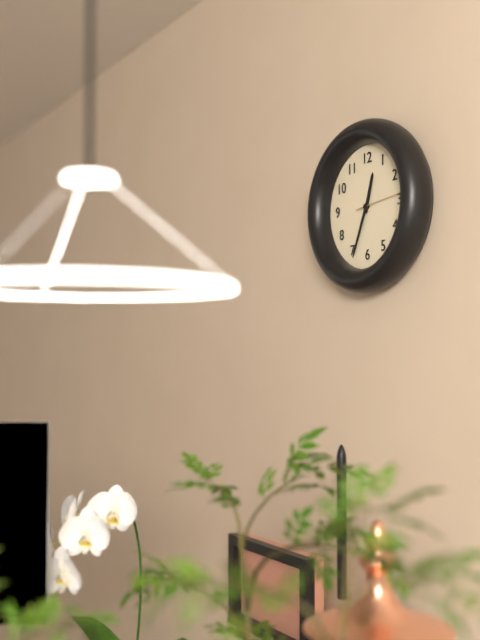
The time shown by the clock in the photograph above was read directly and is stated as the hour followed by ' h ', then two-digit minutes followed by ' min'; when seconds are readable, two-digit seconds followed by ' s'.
12 h 34 min
